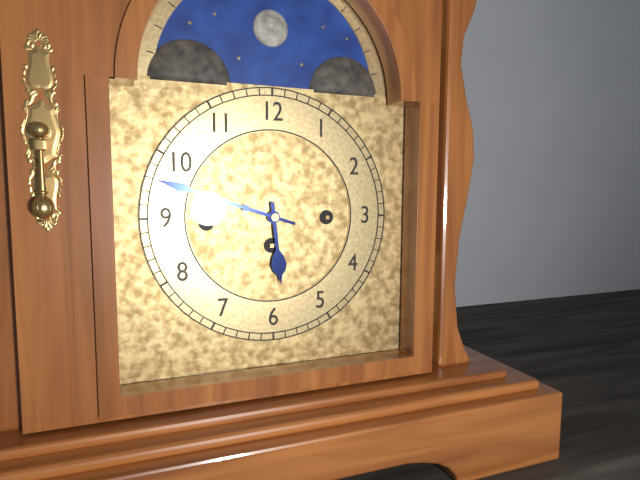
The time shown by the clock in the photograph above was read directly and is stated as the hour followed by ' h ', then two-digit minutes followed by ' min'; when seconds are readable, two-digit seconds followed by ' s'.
5 h 48 min
